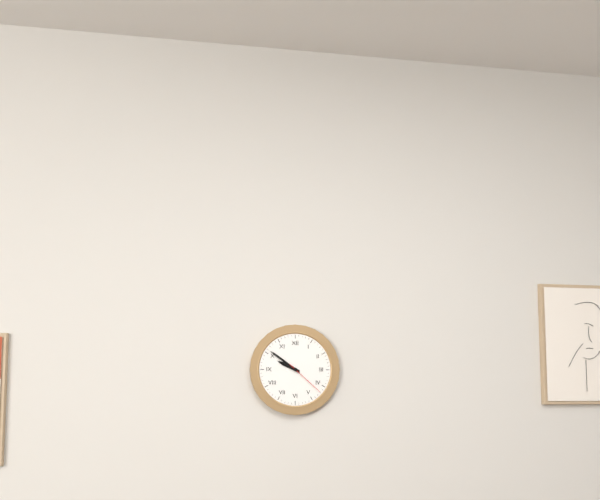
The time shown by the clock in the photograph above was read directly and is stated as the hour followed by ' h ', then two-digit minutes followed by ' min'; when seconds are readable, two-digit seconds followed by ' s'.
9 h 51 min
